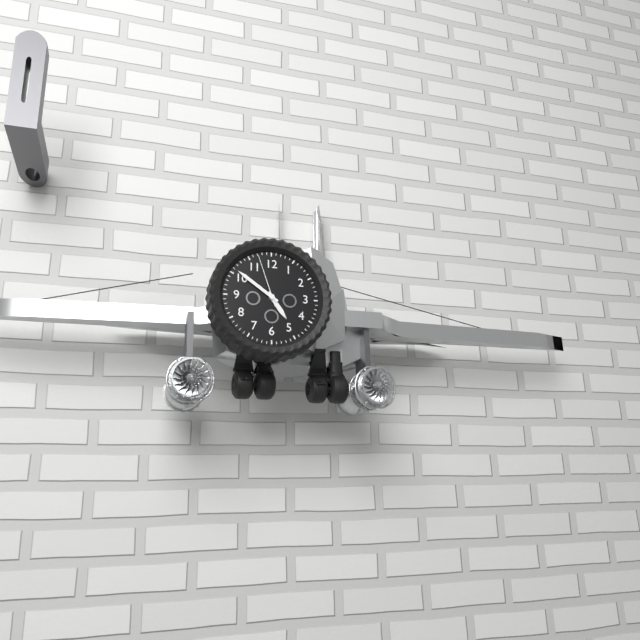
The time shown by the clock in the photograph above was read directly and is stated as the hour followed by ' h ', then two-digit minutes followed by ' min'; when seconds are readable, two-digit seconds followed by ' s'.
4 h 51 min 57 s
